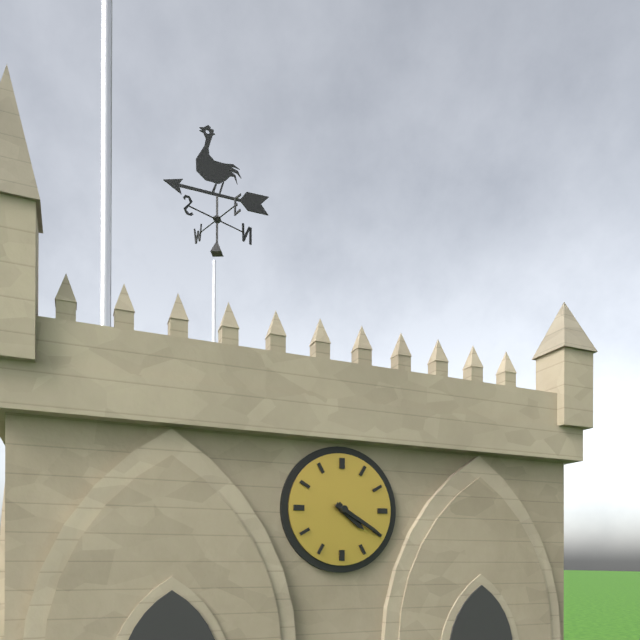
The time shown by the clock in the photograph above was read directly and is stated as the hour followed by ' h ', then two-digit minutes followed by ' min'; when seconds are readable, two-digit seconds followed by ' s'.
4 h 20 min
